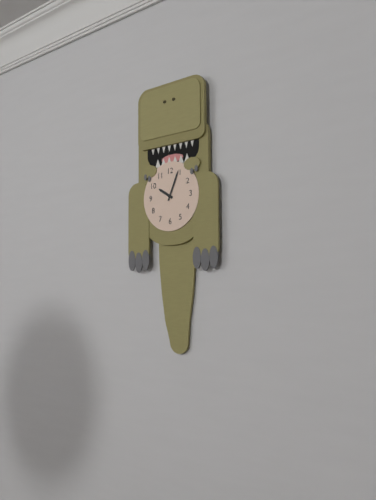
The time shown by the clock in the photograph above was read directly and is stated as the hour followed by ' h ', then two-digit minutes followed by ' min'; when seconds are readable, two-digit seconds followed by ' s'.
10 h 04 min
